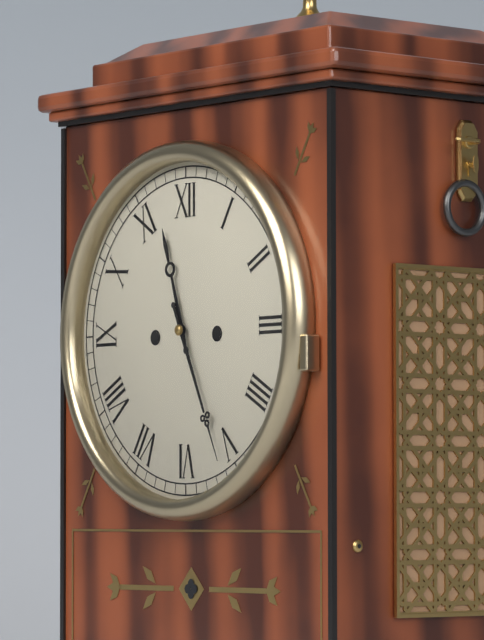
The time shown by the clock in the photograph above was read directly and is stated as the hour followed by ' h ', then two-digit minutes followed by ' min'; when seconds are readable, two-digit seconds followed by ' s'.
11 h 26 min
